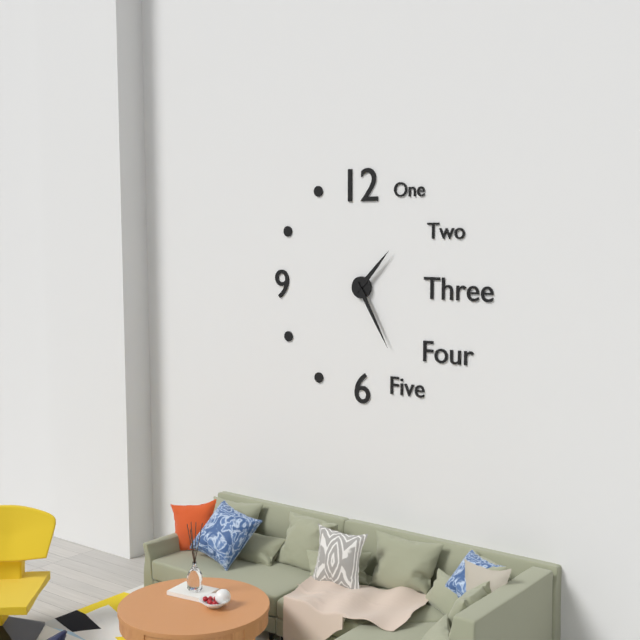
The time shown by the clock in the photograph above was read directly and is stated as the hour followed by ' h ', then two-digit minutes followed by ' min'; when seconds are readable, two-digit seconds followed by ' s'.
1 h 25 min
